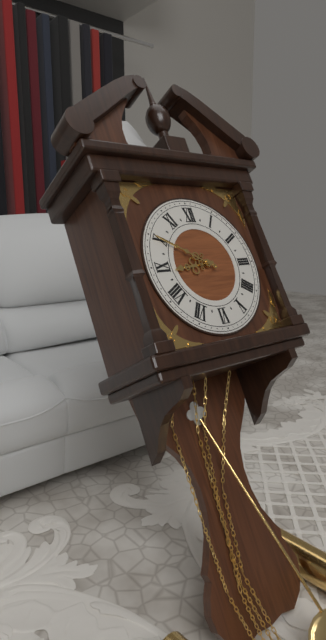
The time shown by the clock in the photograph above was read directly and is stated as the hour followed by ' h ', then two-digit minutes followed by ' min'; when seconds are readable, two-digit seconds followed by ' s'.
8 h 50 min
